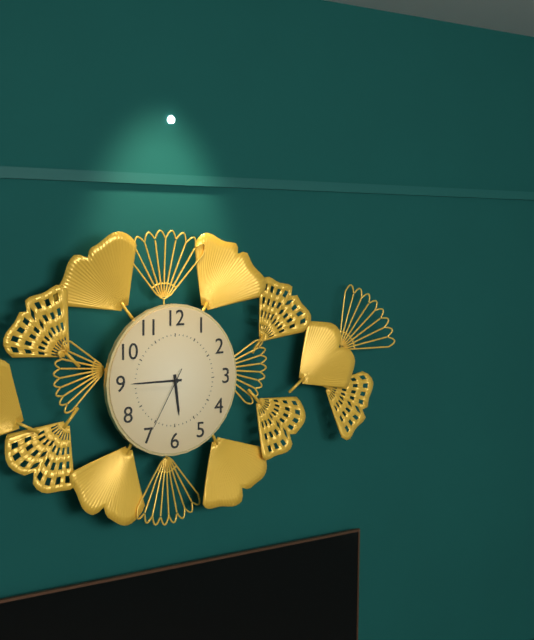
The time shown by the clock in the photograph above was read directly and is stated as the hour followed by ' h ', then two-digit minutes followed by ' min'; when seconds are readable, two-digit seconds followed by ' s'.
5 h 45 min 35 s
